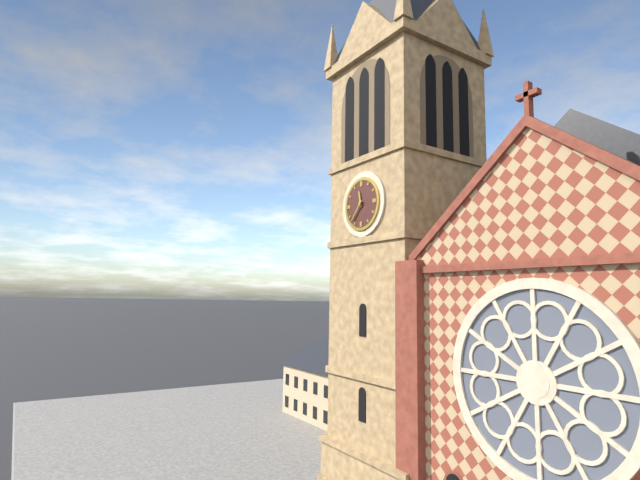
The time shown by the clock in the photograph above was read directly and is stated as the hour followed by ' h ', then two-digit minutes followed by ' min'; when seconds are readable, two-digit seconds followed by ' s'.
11 h 37 min
